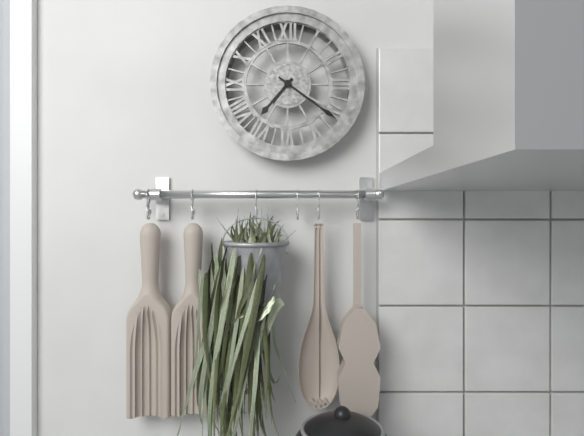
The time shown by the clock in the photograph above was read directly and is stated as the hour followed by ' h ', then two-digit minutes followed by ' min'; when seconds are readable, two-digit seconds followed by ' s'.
7 h 21 min
